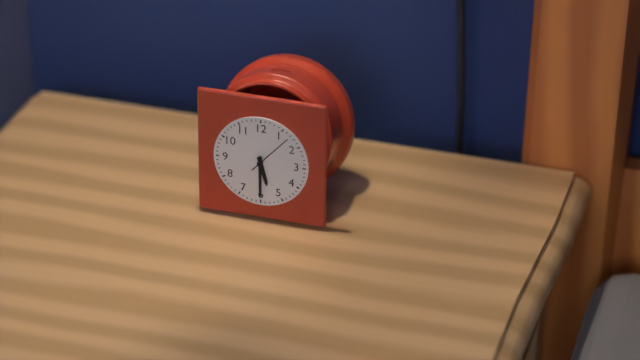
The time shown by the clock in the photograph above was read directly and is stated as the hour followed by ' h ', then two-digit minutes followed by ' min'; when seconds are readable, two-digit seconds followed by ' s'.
5 h 30 min
